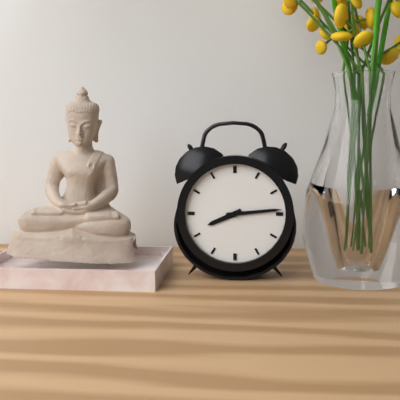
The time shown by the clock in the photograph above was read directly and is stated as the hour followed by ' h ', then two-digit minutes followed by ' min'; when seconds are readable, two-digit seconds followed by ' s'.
8 h 14 min
